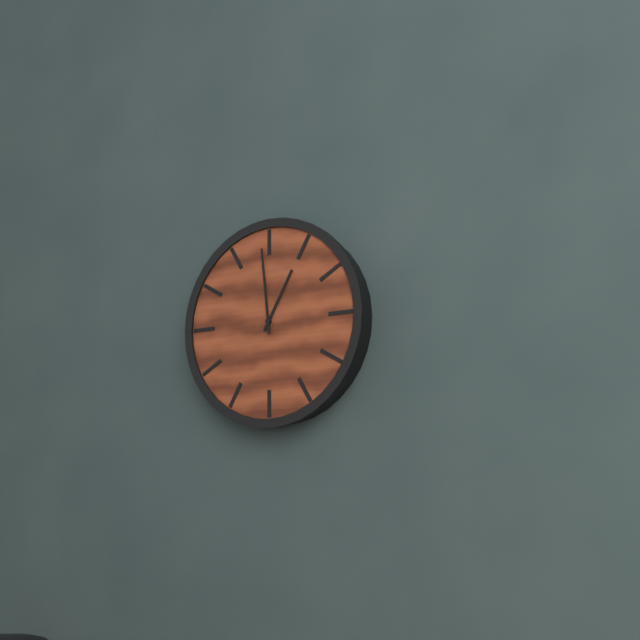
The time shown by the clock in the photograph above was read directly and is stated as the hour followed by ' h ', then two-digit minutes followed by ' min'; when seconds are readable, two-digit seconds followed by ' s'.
12 h 59 min
